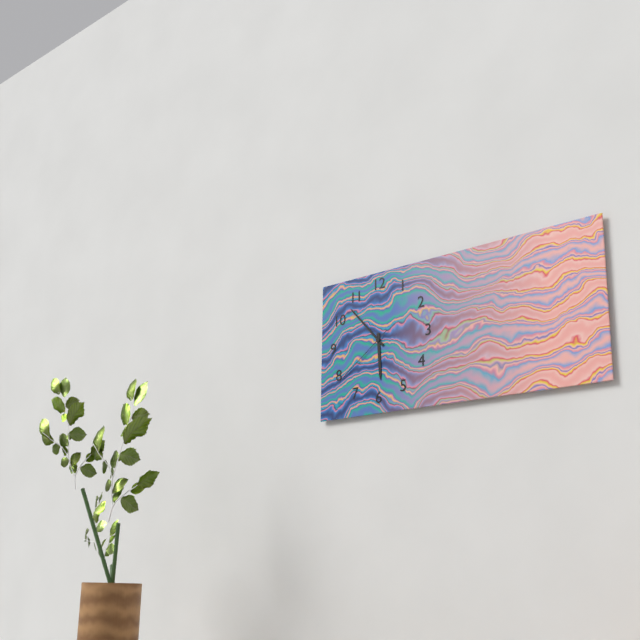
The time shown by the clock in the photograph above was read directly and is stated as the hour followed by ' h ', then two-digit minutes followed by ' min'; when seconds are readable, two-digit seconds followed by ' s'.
5 h 53 min 39 s
